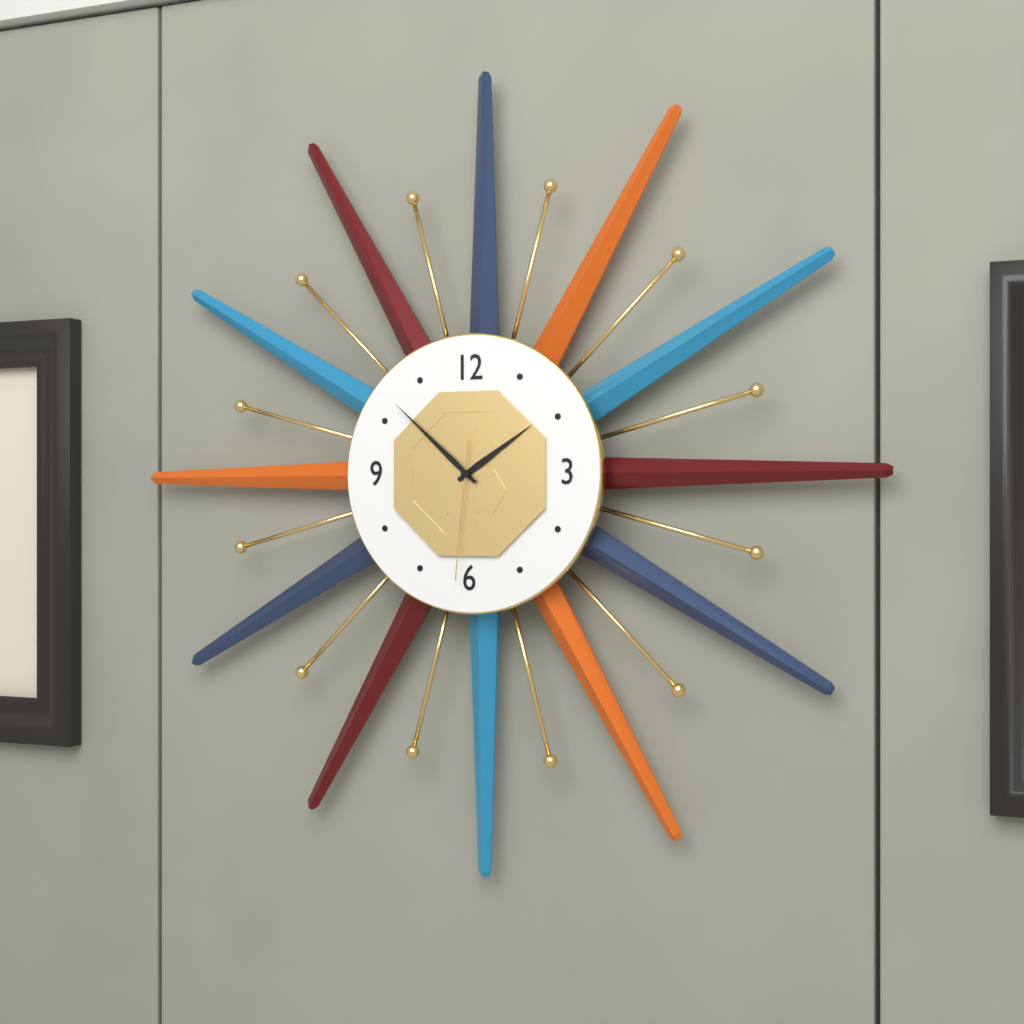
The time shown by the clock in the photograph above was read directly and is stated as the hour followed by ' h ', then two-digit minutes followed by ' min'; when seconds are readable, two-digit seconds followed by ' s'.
1 h 52 min 31 s
